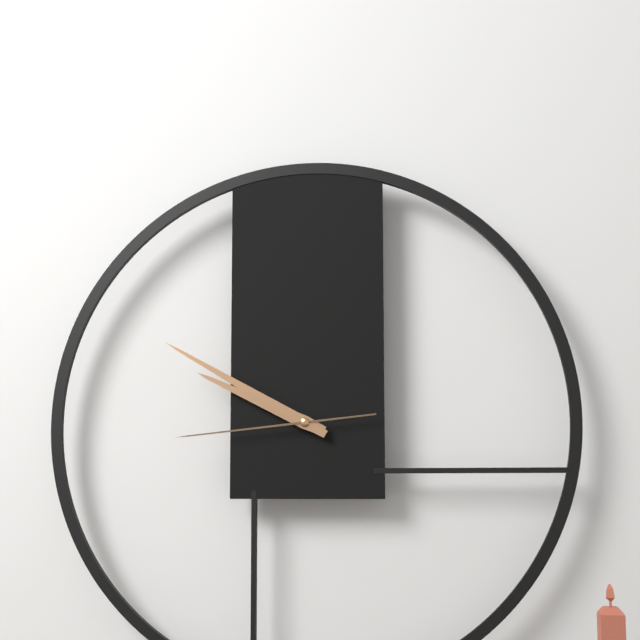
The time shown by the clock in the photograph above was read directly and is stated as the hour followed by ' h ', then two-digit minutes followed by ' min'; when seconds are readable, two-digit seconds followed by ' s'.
9 h 50 min 44 s
